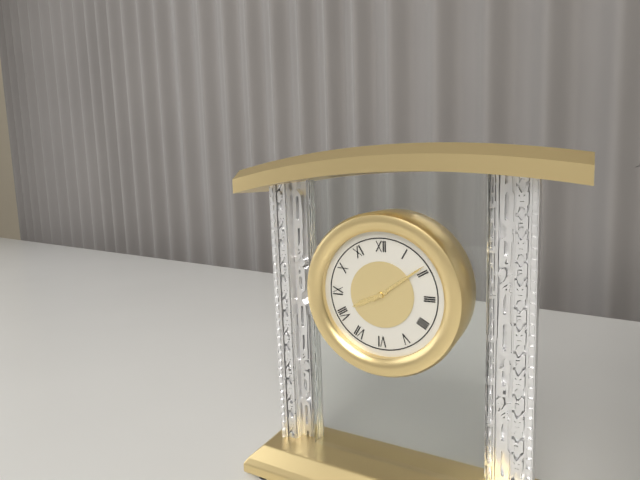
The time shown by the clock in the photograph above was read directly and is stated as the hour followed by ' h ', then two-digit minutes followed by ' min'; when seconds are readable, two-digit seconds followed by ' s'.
8 h 09 min
